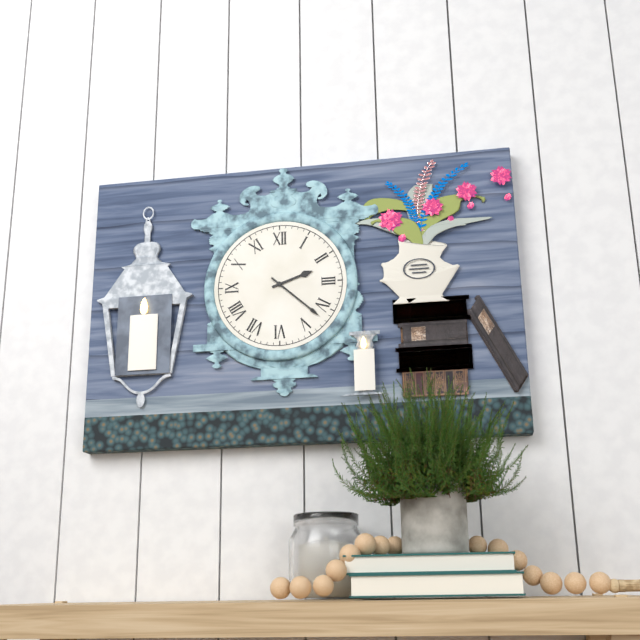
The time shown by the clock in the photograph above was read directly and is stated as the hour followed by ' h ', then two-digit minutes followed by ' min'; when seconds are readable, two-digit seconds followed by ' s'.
2 h 22 min
